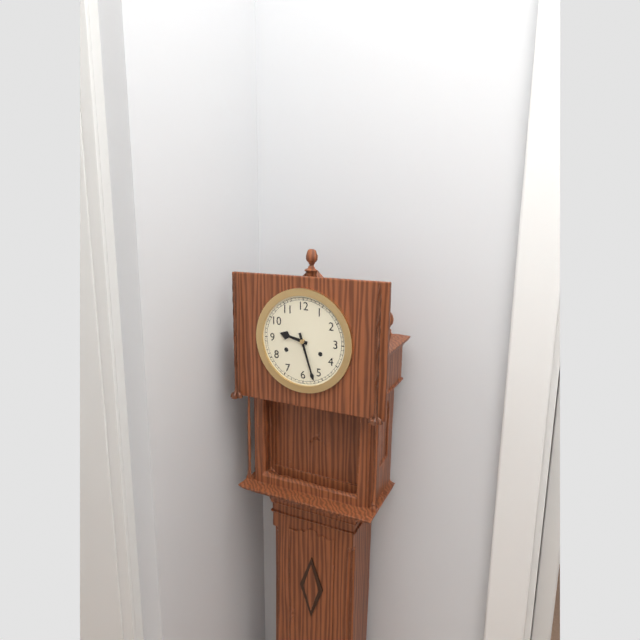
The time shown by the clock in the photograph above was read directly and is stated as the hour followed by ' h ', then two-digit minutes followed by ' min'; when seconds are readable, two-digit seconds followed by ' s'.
9 h 27 min
